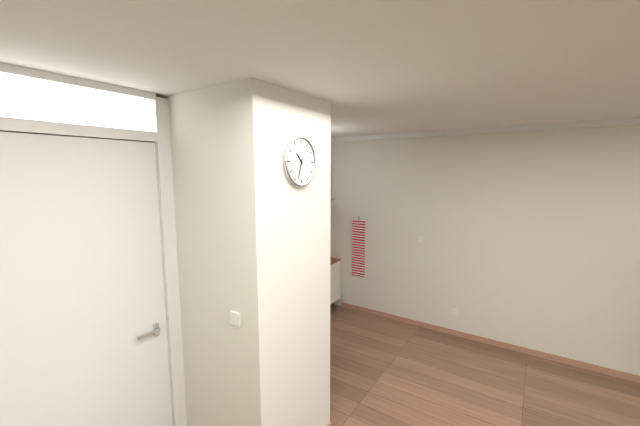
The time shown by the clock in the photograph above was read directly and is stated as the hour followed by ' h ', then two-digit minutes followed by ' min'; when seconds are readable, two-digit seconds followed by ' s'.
10 h 33 min
